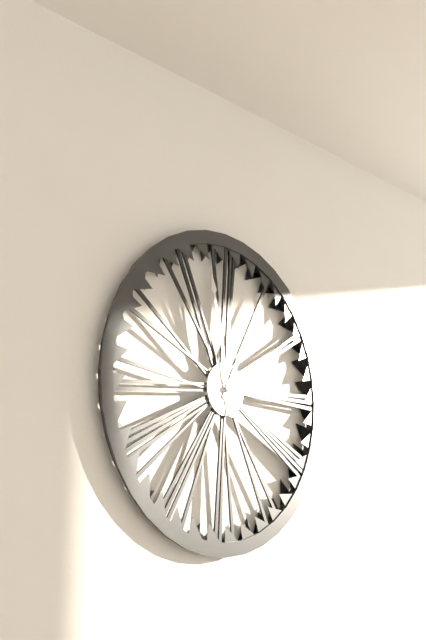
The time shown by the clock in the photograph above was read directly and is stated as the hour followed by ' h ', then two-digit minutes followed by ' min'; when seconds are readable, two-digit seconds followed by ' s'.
12 h 58 min
